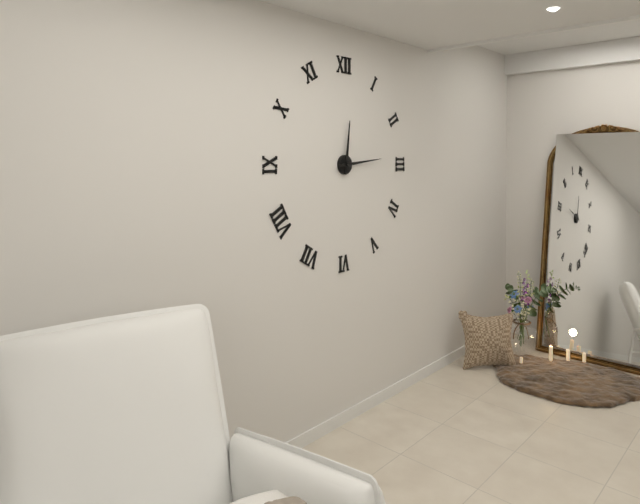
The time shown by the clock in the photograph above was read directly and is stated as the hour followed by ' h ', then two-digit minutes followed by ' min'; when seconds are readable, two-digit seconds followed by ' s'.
12 h 14 min
